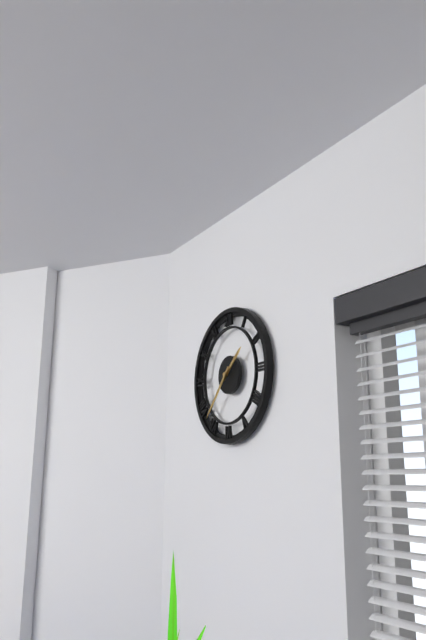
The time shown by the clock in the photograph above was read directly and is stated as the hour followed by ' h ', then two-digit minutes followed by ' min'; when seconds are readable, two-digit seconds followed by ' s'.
1 h 37 min
